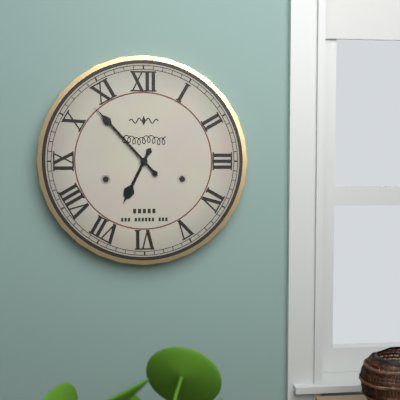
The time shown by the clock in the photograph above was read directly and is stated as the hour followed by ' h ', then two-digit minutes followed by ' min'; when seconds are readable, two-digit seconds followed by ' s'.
6 h 53 min
